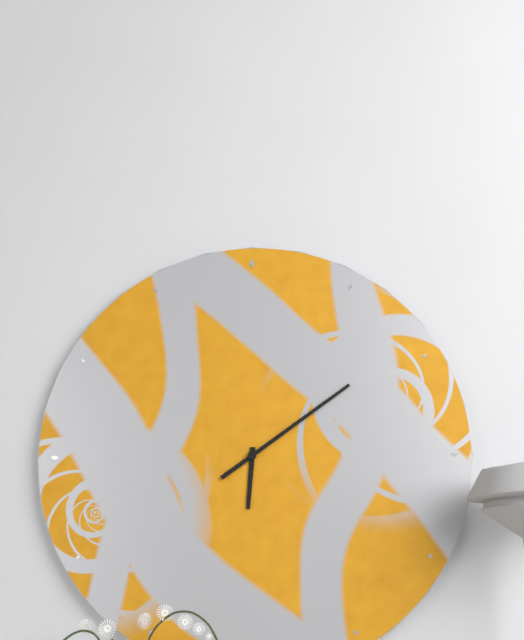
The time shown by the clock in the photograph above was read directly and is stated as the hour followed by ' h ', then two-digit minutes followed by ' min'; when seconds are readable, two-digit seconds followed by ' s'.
6 h 09 min
